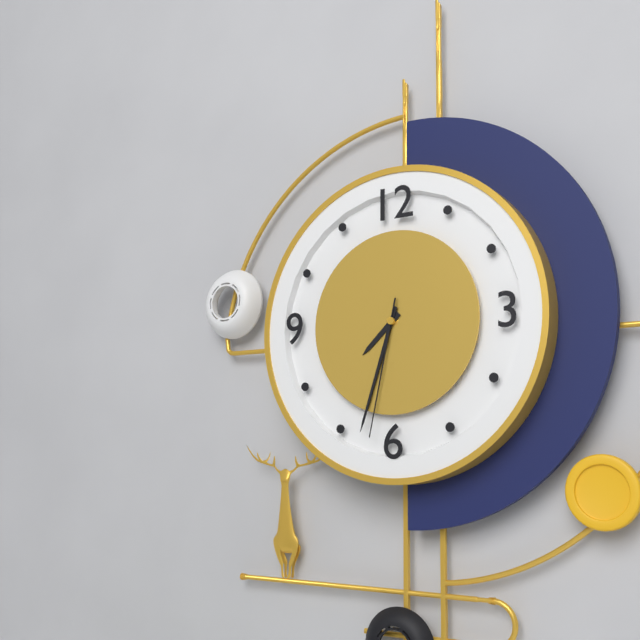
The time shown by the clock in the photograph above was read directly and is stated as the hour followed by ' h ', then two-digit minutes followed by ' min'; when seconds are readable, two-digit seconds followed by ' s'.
7 h 33 min 32 s
